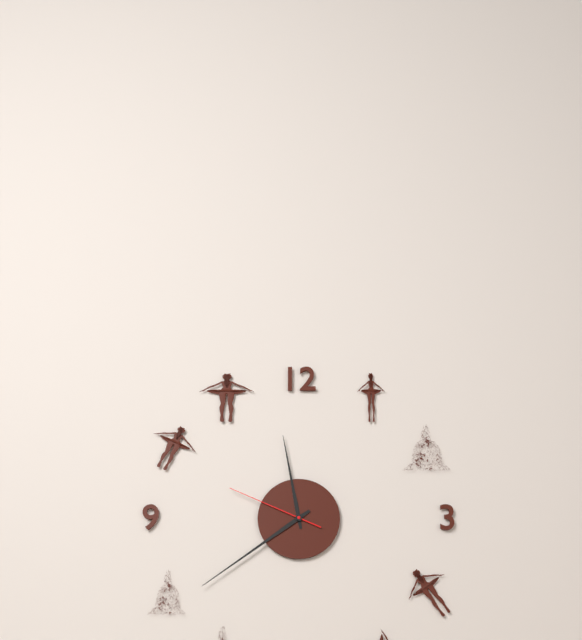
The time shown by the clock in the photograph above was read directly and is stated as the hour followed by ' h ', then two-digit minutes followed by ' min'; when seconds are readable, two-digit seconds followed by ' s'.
11 h 39 min 49 s
